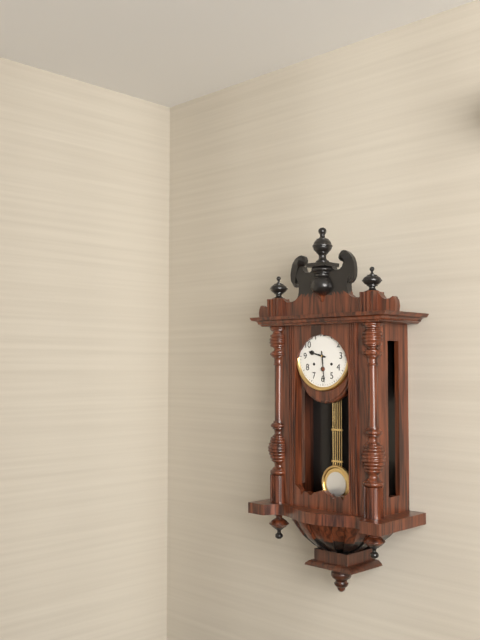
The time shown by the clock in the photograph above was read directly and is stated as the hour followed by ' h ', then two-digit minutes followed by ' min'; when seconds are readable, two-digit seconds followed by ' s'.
9 h 29 min
